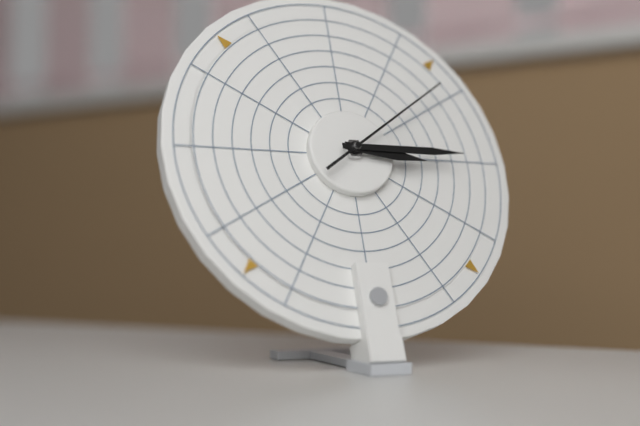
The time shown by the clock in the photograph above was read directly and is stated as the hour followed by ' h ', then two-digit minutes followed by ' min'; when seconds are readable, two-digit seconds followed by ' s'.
3 h 15 min 09 s
